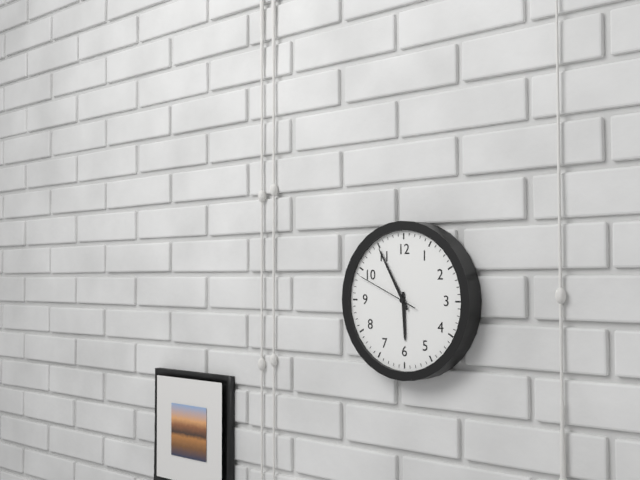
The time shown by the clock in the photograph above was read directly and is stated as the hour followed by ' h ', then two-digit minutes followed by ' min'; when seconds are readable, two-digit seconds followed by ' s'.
5 h 55 min 49 s
